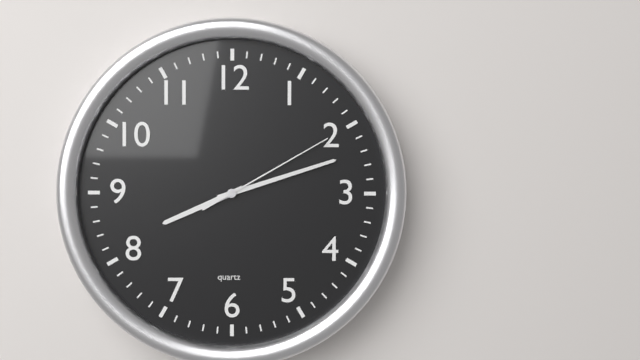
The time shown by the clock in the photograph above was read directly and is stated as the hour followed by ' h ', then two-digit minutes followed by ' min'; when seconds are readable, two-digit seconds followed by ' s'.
8 h 12 min 10 s
